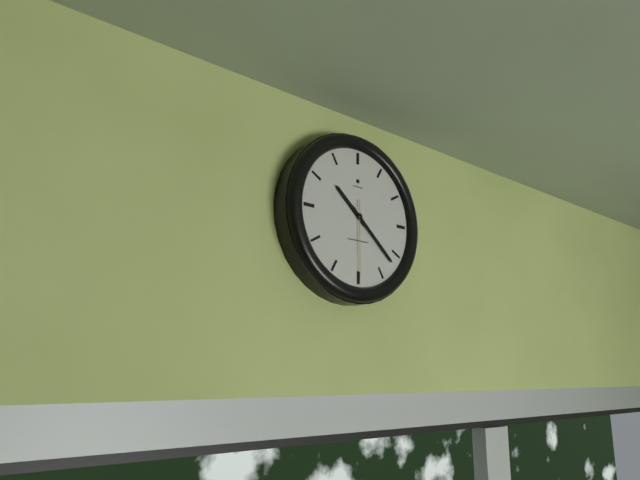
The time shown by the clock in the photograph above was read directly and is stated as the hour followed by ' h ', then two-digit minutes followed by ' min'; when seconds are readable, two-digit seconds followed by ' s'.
10 h 22 min 30 s
